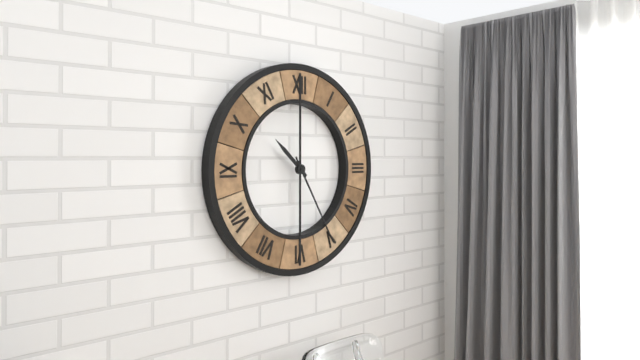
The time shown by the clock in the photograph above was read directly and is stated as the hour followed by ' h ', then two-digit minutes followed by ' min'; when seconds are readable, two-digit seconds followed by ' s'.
10 h 25 min
